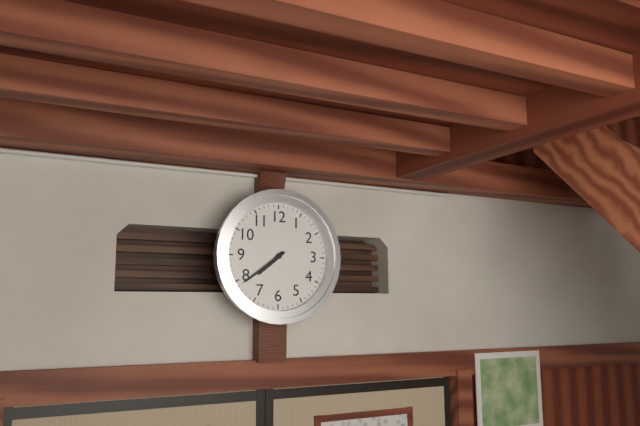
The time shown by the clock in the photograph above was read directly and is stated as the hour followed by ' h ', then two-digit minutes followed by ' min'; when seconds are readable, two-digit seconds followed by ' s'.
7 h 39 min
